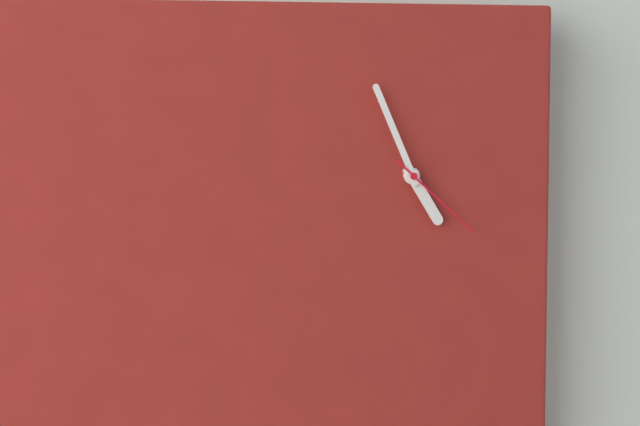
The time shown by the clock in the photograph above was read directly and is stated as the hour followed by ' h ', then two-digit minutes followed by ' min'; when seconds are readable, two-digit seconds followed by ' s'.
4 h 56 min 22 s
